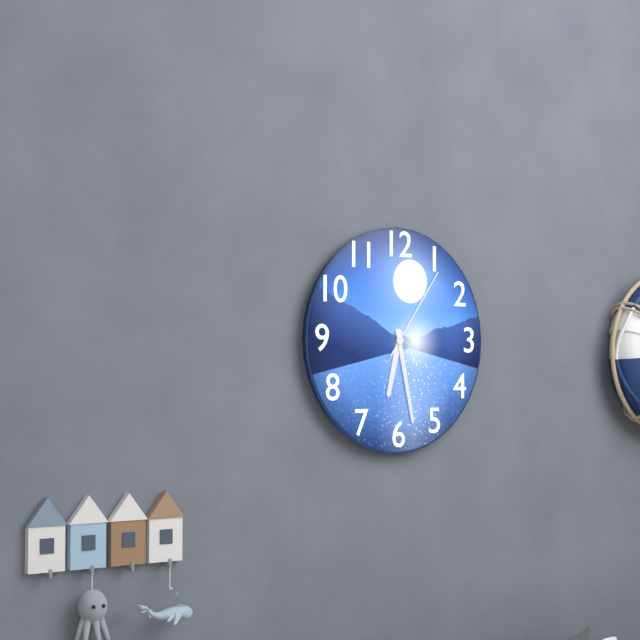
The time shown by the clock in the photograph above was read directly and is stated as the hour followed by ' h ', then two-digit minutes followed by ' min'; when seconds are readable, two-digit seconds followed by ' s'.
6 h 28 min 06 s
